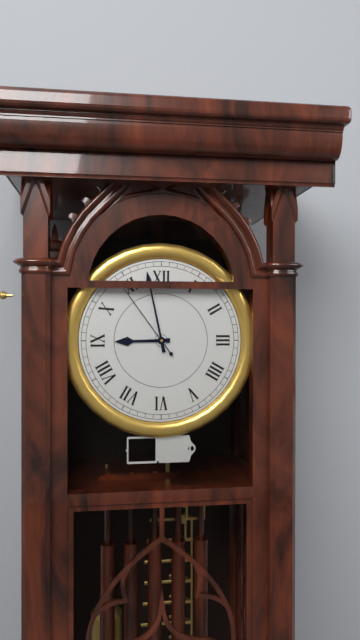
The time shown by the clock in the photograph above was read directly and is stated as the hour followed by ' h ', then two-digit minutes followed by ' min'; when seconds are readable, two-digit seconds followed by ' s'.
8 h 58 min 54 s
